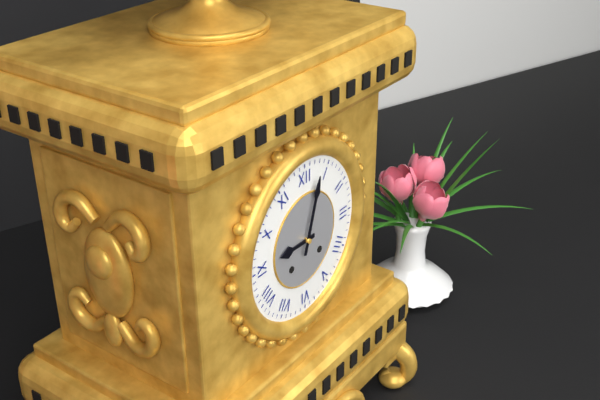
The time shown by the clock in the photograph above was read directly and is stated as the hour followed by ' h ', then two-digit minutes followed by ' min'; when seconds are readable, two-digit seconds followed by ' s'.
9 h 03 min
